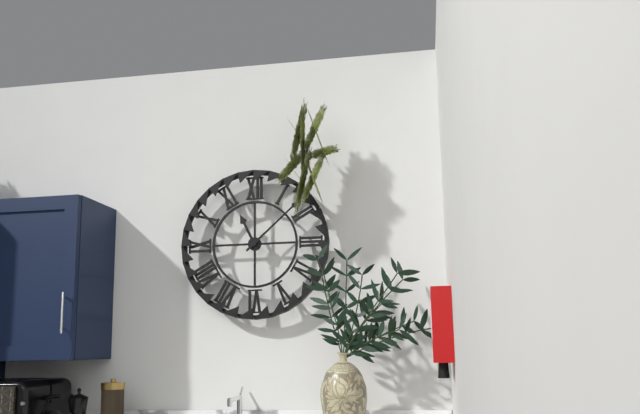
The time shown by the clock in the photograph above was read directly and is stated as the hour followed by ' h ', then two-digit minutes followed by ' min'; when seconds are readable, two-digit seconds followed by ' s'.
11 h 08 min
